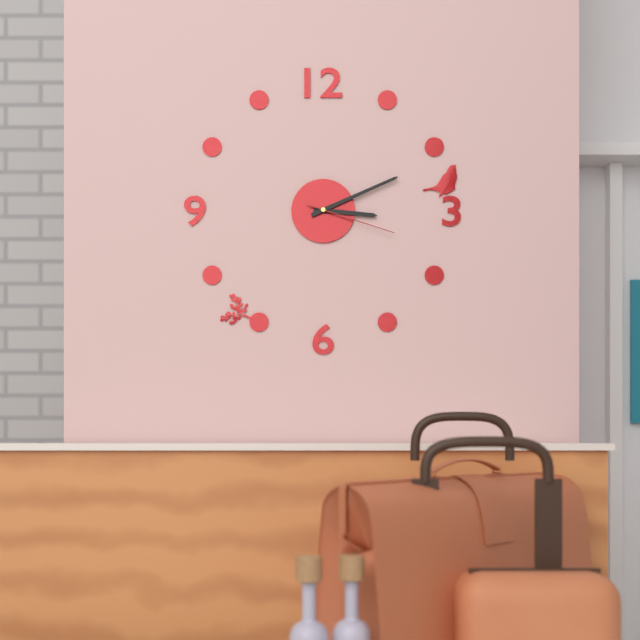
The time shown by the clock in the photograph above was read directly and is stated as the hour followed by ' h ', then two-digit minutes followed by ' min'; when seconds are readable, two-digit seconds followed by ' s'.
3 h 11 min 18 s
